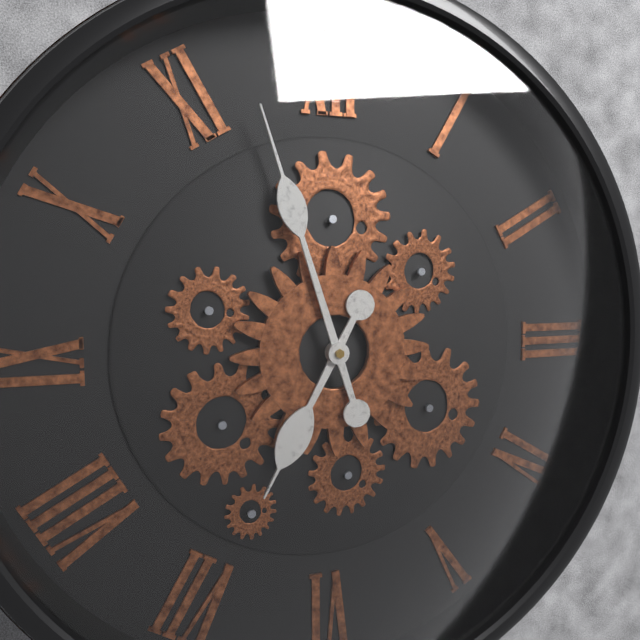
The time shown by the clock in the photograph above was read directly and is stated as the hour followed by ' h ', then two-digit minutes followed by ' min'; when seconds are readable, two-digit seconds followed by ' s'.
6 h 57 min
